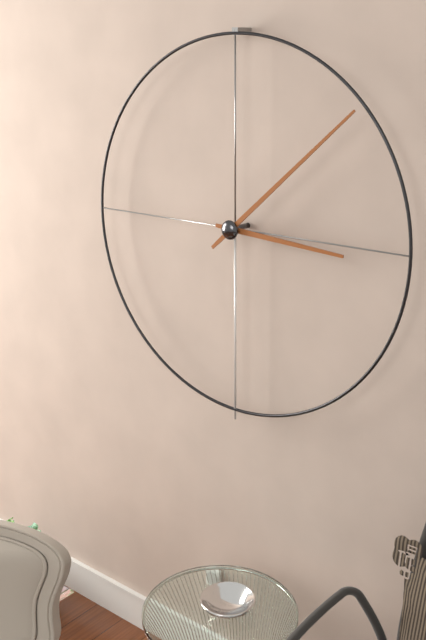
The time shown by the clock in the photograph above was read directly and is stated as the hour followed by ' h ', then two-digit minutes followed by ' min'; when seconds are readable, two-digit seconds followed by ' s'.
3 h 08 min
